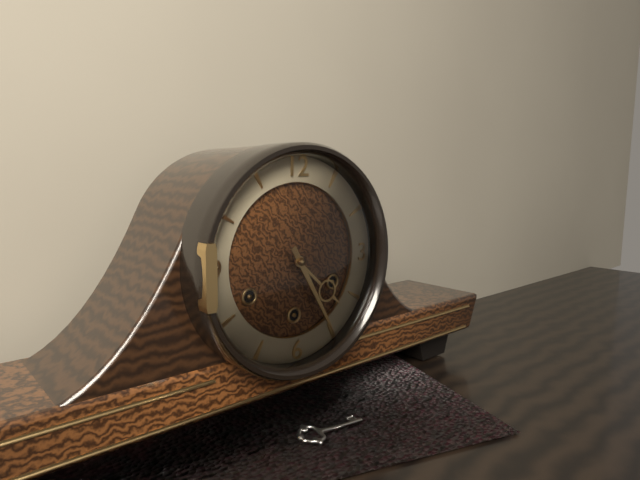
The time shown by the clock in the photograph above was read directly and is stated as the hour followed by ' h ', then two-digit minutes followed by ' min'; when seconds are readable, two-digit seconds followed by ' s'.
4 h 25 min
